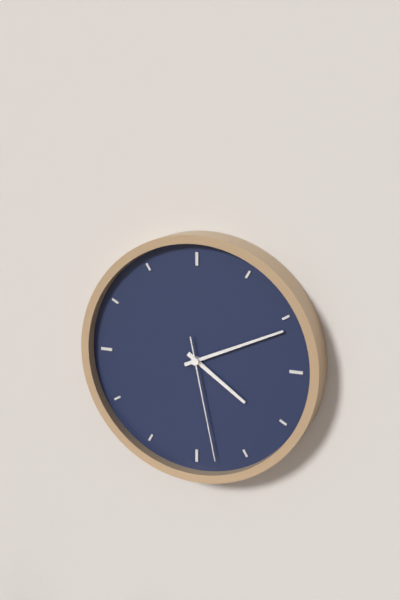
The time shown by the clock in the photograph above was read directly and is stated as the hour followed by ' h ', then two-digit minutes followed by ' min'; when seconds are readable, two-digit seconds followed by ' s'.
4 h 11 min 28 s
